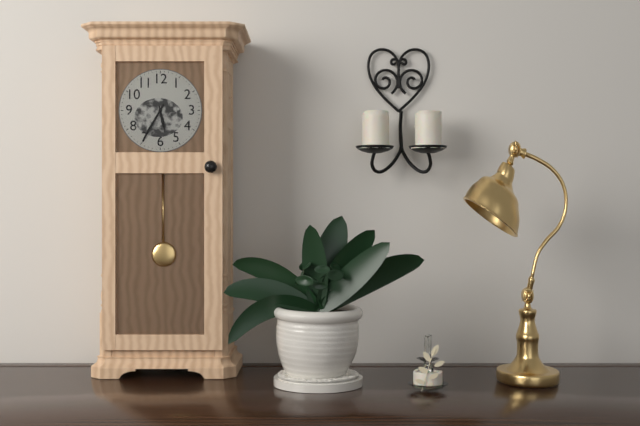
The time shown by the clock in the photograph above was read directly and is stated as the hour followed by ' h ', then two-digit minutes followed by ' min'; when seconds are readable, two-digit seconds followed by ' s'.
5 h 35 min
